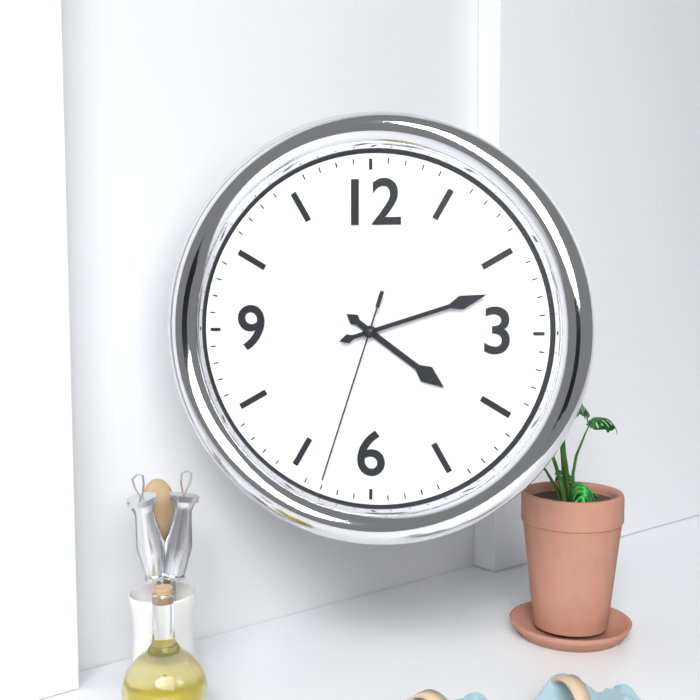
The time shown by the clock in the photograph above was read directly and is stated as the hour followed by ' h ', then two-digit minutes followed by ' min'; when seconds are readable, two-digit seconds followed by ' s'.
4 h 12 min 33 s
